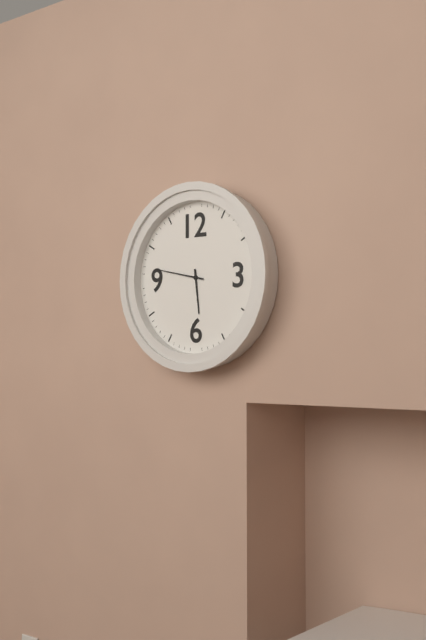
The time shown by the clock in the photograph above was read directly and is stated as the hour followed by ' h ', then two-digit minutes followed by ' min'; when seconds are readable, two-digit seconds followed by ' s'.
5 h 47 min
